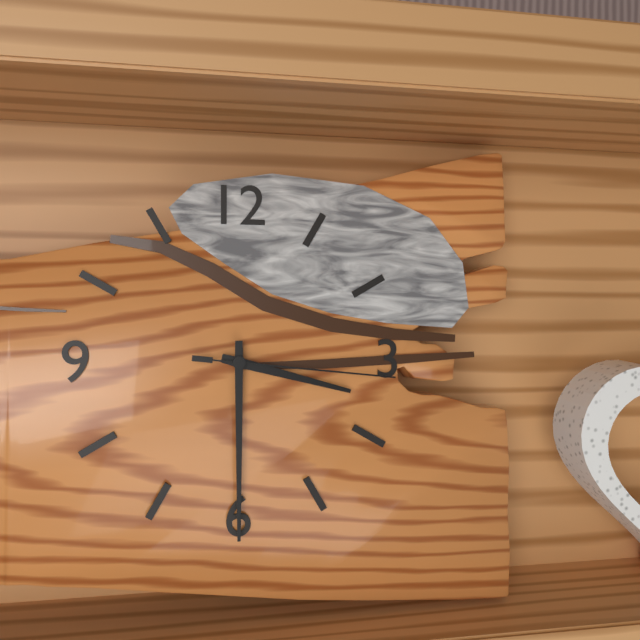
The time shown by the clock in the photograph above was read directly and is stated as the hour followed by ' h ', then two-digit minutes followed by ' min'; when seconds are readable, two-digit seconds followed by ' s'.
3 h 30 min 16 s
